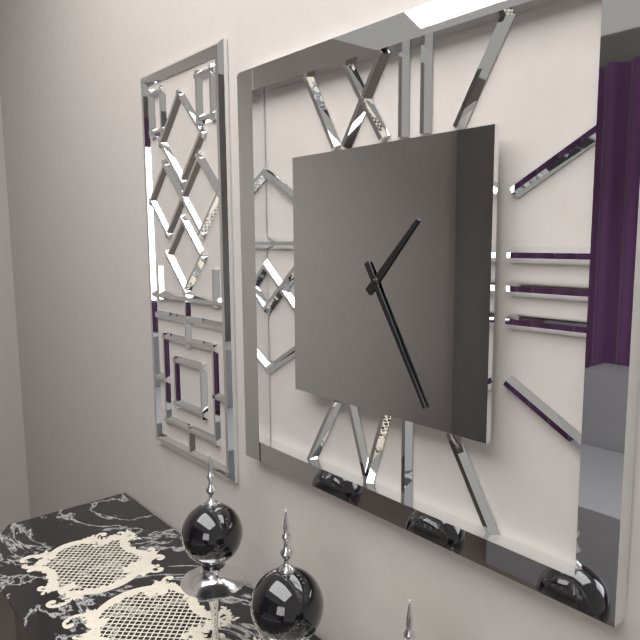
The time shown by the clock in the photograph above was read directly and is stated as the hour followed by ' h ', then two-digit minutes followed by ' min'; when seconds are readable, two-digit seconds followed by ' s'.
1 h 25 min
